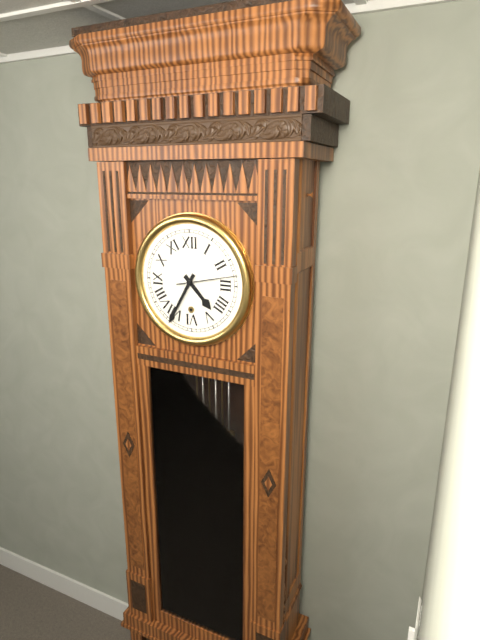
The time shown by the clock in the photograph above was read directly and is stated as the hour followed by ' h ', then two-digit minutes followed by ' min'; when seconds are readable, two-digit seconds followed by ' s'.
4 h 35 min
